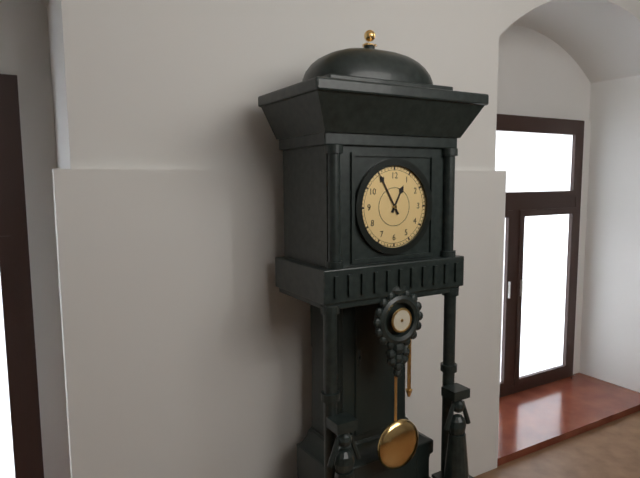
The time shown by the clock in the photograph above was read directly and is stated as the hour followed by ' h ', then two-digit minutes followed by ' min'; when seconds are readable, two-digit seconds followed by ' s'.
12 h 55 min
